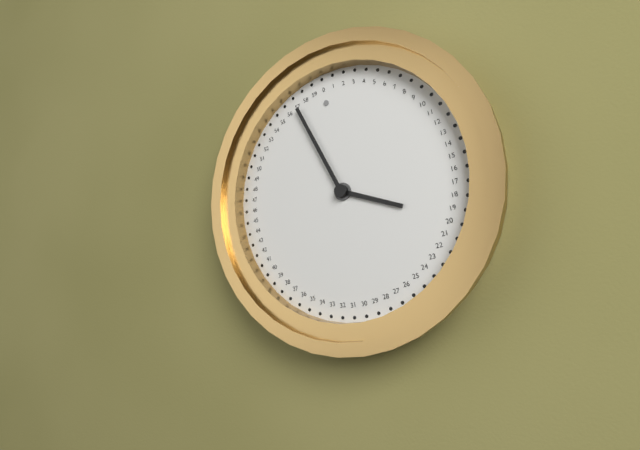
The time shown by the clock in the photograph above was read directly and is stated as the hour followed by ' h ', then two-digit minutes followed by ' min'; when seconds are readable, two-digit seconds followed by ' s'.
3 h 57 min
